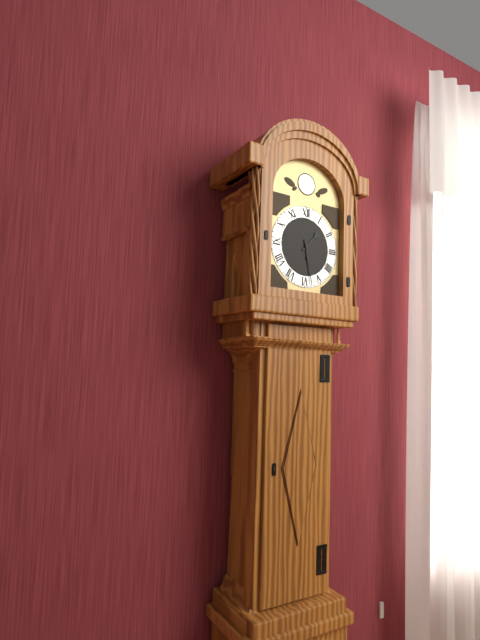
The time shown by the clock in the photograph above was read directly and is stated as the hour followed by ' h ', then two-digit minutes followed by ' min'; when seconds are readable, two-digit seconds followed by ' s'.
1 h 28 min
